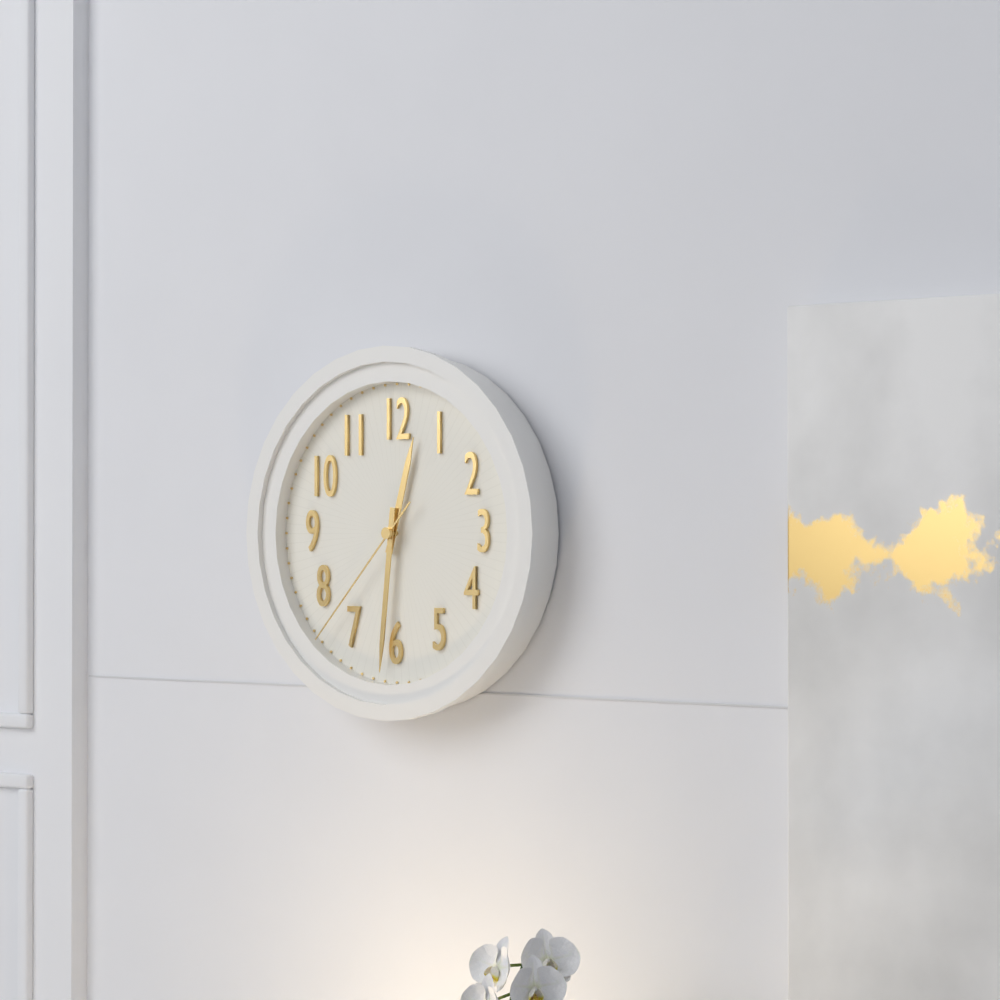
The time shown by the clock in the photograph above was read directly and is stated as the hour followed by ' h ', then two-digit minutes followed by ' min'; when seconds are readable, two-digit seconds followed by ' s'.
12 h 31 min 37 s
